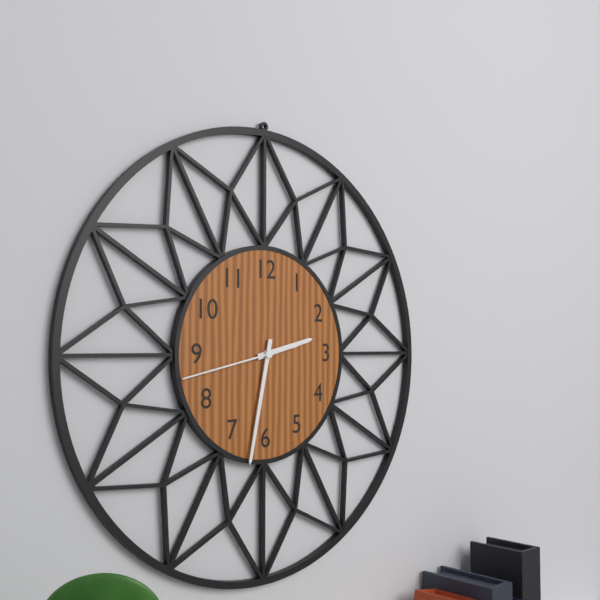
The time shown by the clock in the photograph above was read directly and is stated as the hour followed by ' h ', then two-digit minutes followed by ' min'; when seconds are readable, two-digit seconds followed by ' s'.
2 h 32 min 43 s
